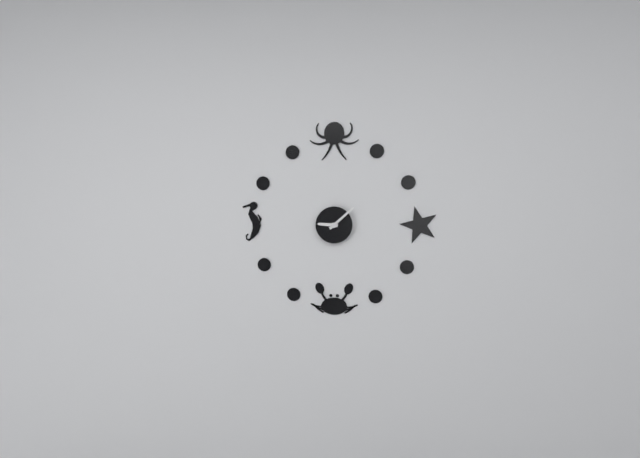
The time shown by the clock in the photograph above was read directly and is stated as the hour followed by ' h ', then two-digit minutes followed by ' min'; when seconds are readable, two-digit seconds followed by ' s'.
9 h 08 min
